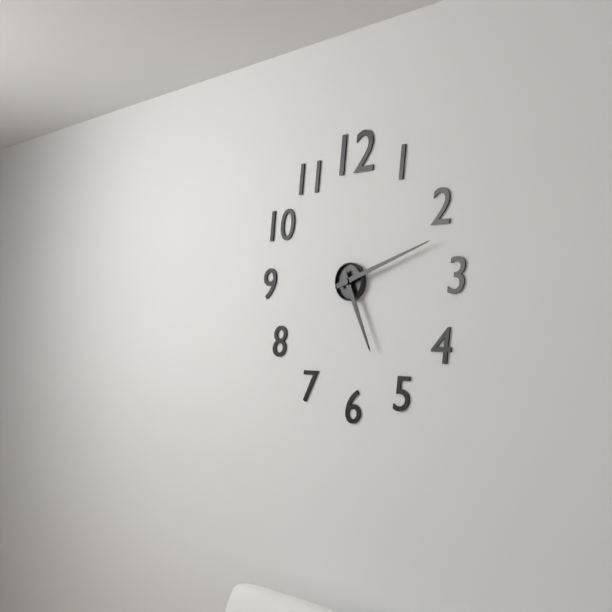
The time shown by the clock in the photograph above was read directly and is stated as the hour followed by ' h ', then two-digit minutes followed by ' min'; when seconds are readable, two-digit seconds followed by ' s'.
5 h 12 min
